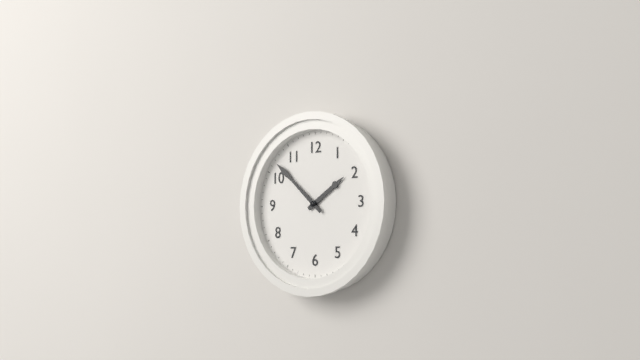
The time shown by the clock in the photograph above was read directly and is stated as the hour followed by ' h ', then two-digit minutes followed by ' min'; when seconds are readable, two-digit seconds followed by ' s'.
1 h 52 min
